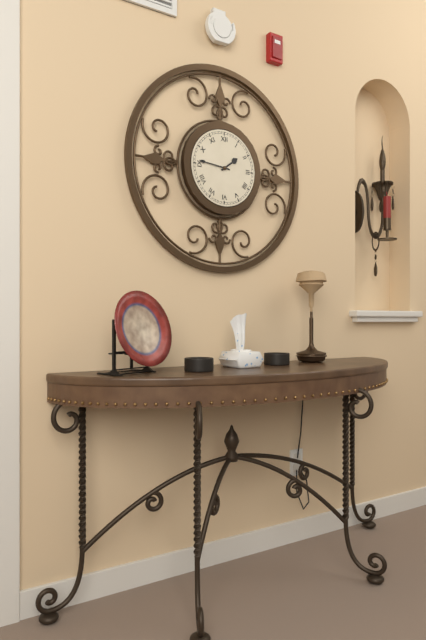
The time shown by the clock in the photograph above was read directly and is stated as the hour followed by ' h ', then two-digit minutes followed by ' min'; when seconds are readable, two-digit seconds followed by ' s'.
1 h 46 min
